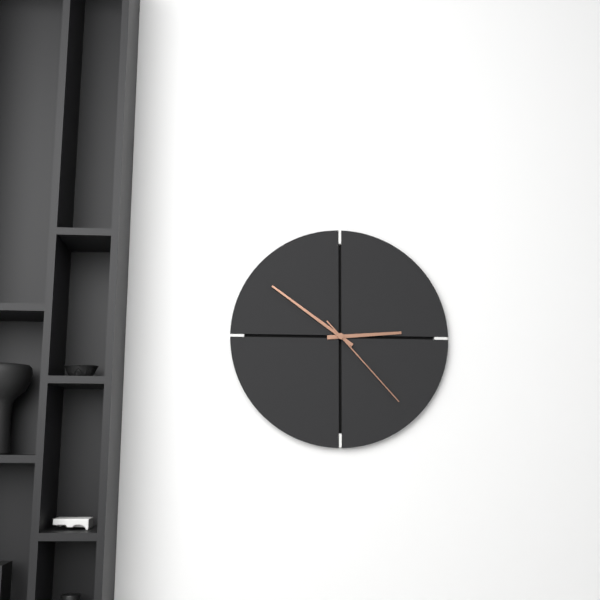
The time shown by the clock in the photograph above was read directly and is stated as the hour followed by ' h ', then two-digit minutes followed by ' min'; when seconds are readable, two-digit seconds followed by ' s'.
2 h 51 min 23 s
